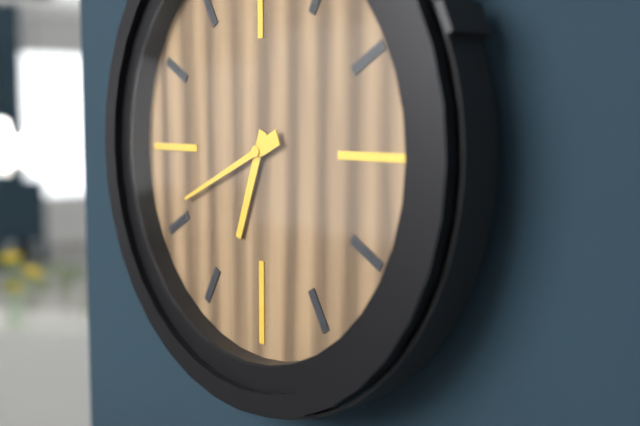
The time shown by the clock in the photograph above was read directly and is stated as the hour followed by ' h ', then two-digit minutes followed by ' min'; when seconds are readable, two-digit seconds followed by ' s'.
6 h 41 min
